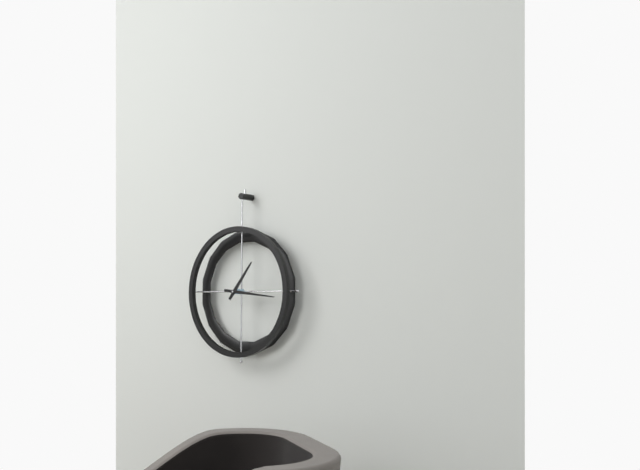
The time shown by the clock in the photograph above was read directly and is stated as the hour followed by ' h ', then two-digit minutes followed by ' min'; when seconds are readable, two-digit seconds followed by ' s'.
1 h 16 min
